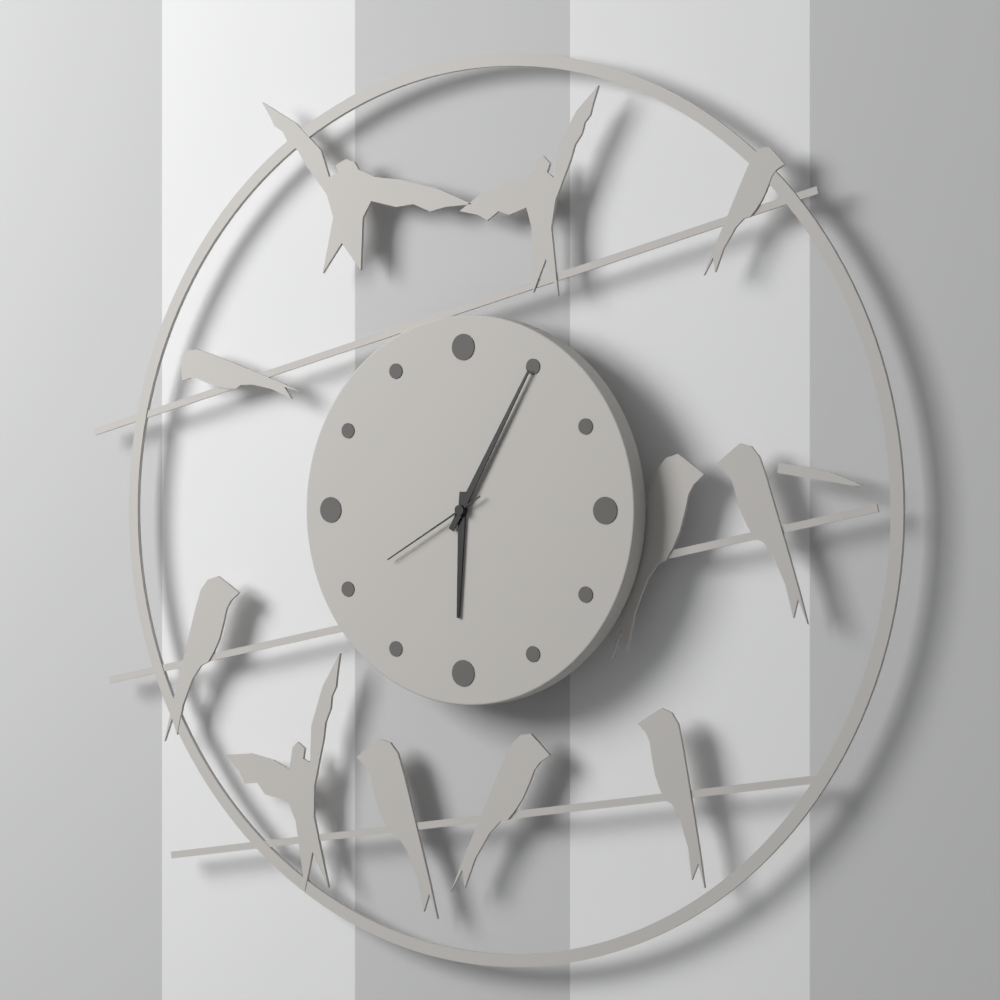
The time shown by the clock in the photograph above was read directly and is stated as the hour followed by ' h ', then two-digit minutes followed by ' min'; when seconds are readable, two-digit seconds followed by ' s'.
6 h 05 min 40 s
